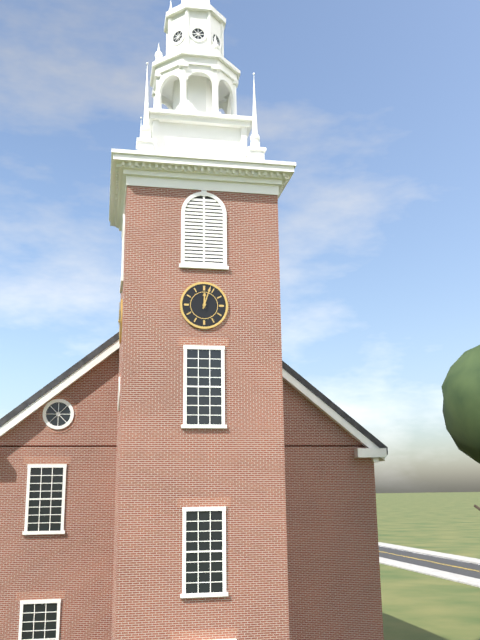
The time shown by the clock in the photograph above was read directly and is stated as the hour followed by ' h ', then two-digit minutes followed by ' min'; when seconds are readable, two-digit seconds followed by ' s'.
12 h 03 min
